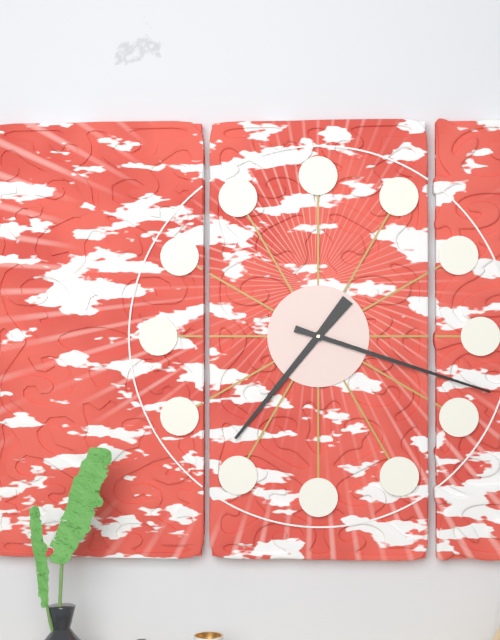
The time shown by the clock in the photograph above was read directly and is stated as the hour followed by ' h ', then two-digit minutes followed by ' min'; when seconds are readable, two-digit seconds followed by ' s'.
7 h 18 min
